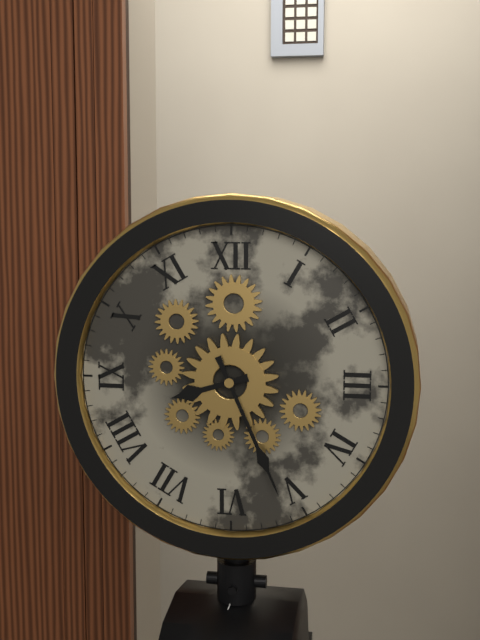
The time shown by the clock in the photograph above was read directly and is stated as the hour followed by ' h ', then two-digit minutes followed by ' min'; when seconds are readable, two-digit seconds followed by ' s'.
8 h 26 min
